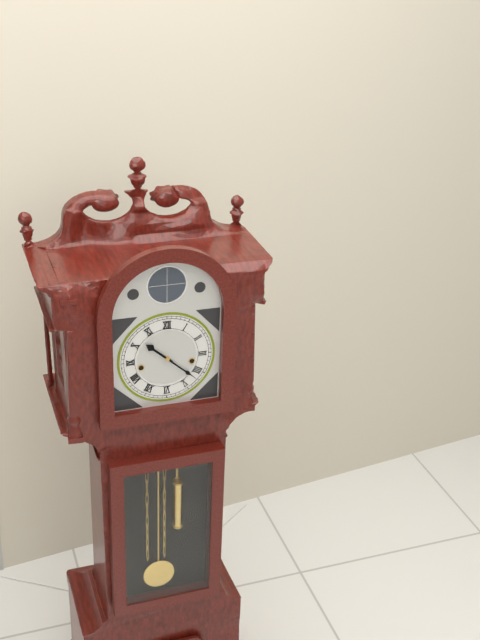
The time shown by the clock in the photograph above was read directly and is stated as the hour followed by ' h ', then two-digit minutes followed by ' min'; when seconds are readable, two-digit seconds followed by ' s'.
10 h 22 min
